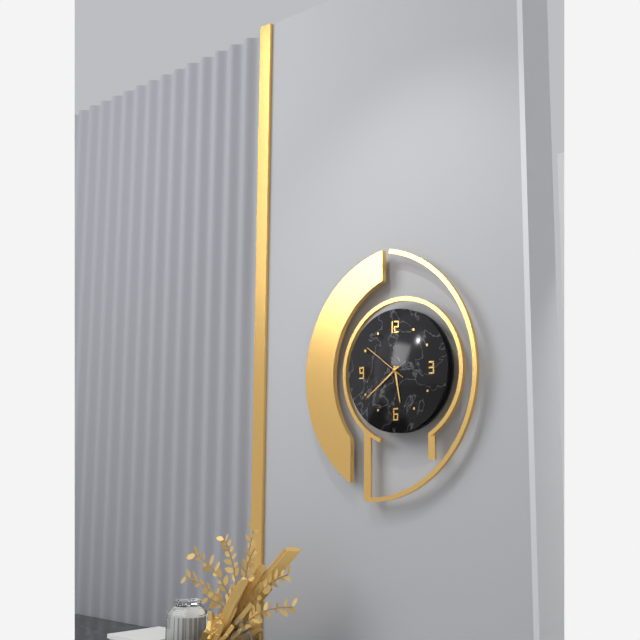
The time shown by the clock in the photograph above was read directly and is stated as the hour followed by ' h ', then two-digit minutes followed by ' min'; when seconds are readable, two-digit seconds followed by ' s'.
5 h 39 min
